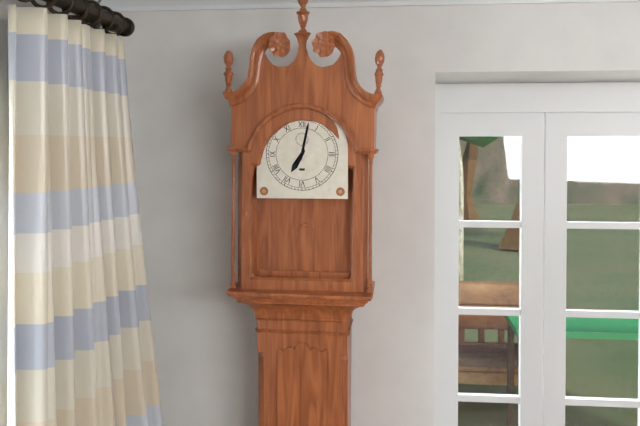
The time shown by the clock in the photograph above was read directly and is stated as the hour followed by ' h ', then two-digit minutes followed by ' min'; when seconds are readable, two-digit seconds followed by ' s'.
7 h 02 min
